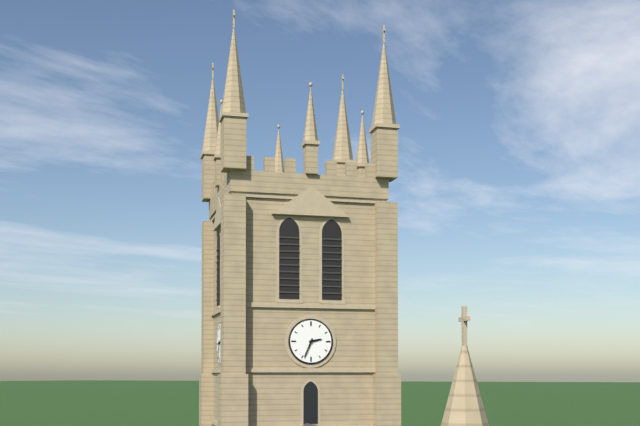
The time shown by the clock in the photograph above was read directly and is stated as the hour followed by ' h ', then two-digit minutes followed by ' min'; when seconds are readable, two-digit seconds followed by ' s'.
2 h 34 min
